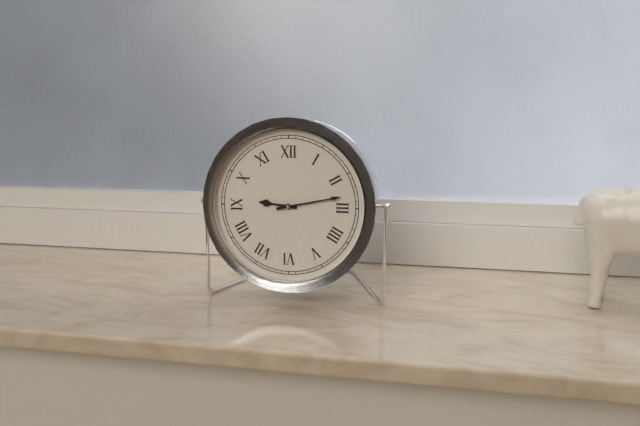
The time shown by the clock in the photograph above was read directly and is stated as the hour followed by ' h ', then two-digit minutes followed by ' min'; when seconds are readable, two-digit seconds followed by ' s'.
9 h 13 min
